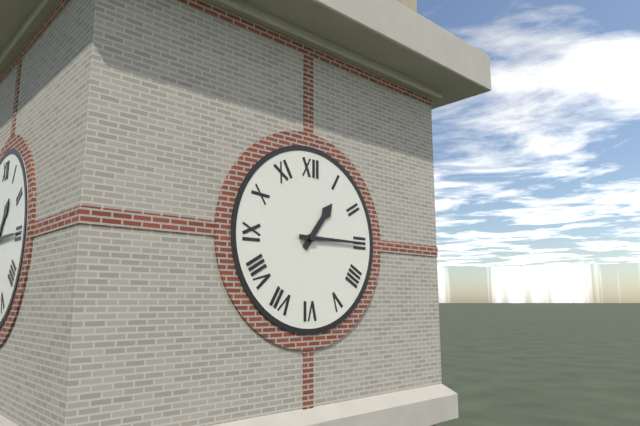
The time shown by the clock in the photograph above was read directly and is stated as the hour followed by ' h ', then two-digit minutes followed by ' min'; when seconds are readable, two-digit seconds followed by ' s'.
1 h 15 min
